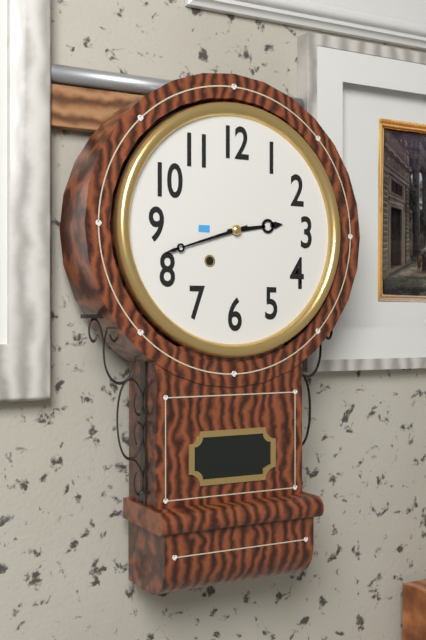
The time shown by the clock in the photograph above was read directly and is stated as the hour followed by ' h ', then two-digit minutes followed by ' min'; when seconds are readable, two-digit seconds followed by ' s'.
2 h 42 min
